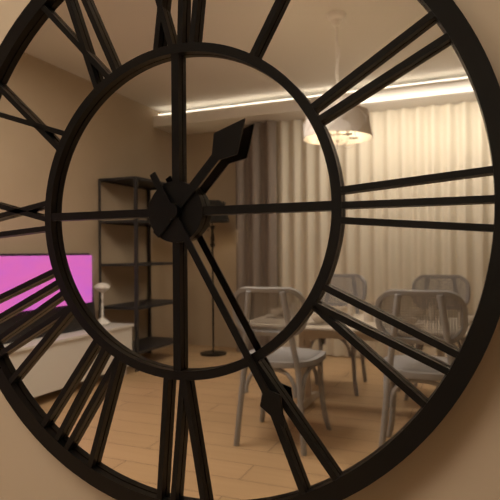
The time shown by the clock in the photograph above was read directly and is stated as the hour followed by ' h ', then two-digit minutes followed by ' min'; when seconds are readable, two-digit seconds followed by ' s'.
1 h 25 min
